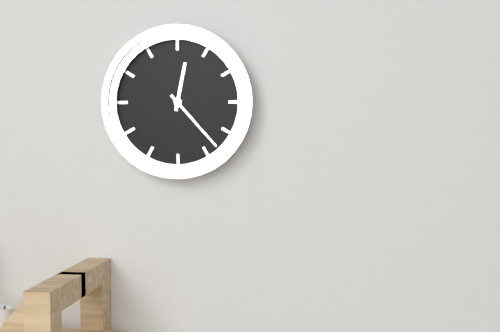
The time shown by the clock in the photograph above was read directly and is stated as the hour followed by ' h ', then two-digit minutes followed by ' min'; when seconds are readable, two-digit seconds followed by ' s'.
12 h 23 min
